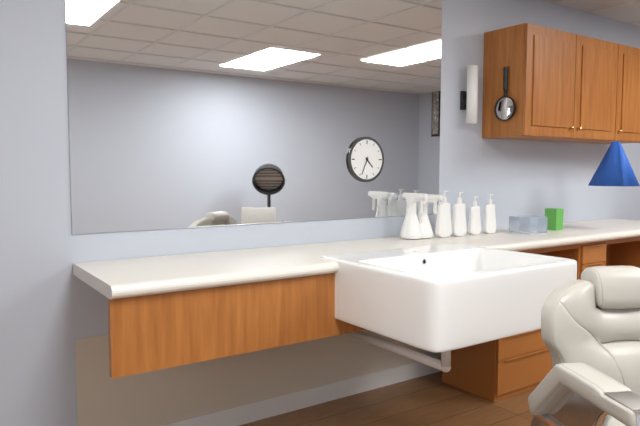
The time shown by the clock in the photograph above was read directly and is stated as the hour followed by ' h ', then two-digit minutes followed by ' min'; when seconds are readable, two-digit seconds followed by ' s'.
4 h 34 min
